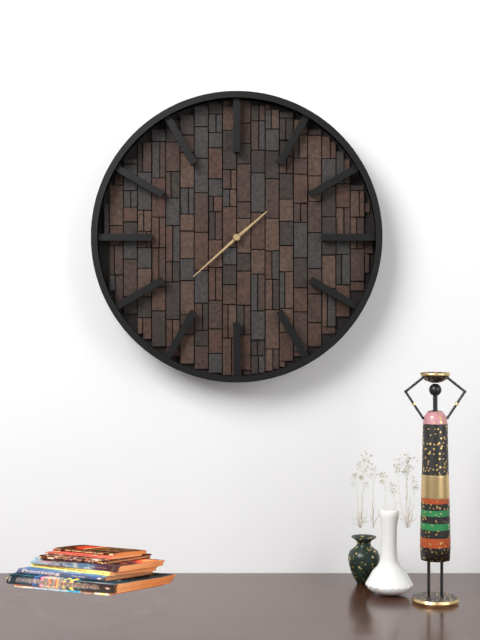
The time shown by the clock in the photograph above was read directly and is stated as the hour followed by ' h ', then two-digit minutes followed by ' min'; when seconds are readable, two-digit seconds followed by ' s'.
1 h 38 min
